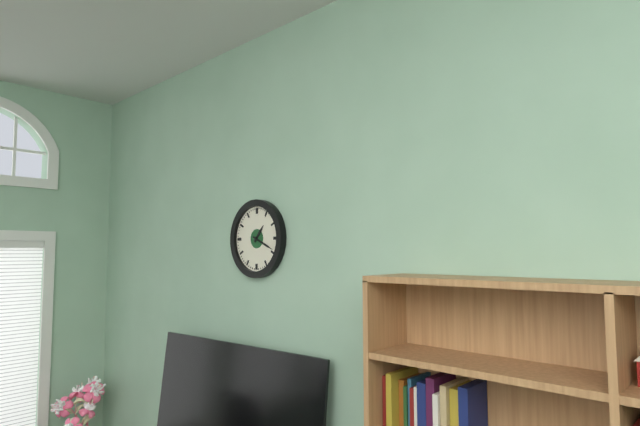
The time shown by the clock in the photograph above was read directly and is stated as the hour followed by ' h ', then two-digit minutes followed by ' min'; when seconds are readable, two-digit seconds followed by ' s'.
1 h 19 min
